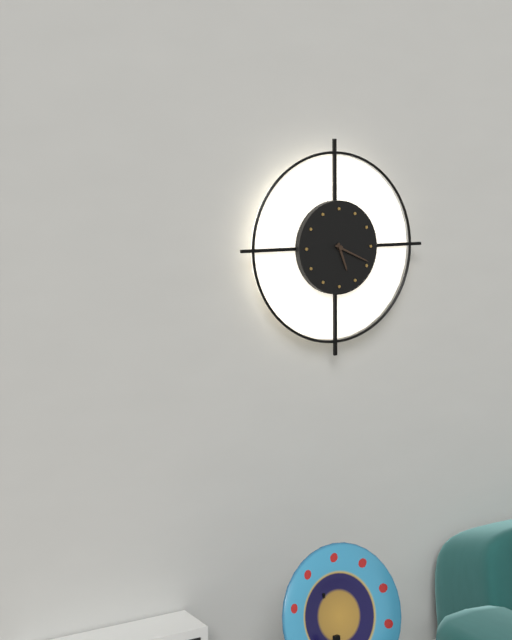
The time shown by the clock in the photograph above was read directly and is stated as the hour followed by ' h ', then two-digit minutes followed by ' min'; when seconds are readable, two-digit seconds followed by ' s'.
5 h 19 min
